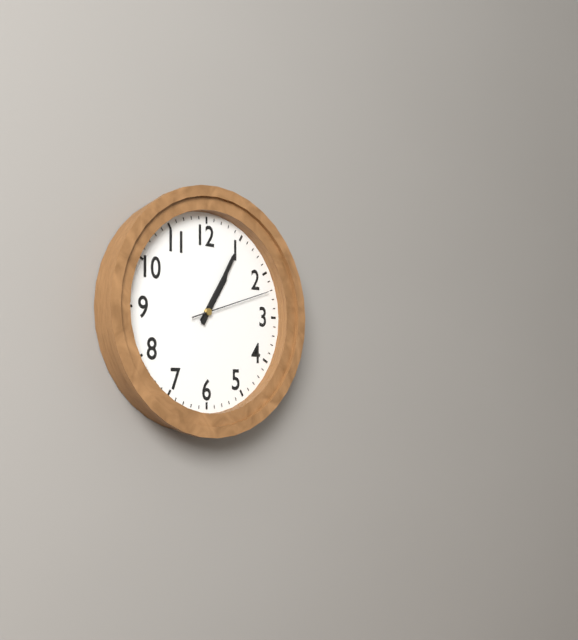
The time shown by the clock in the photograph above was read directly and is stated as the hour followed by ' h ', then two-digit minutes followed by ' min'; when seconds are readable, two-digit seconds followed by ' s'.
1 h 05 min 12 s
